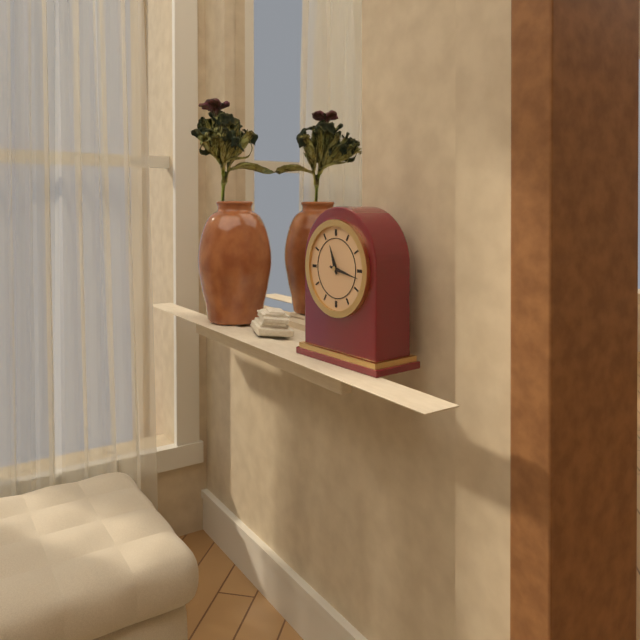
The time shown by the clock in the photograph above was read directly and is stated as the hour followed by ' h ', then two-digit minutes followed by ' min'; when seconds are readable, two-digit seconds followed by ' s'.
11 h 17 min
